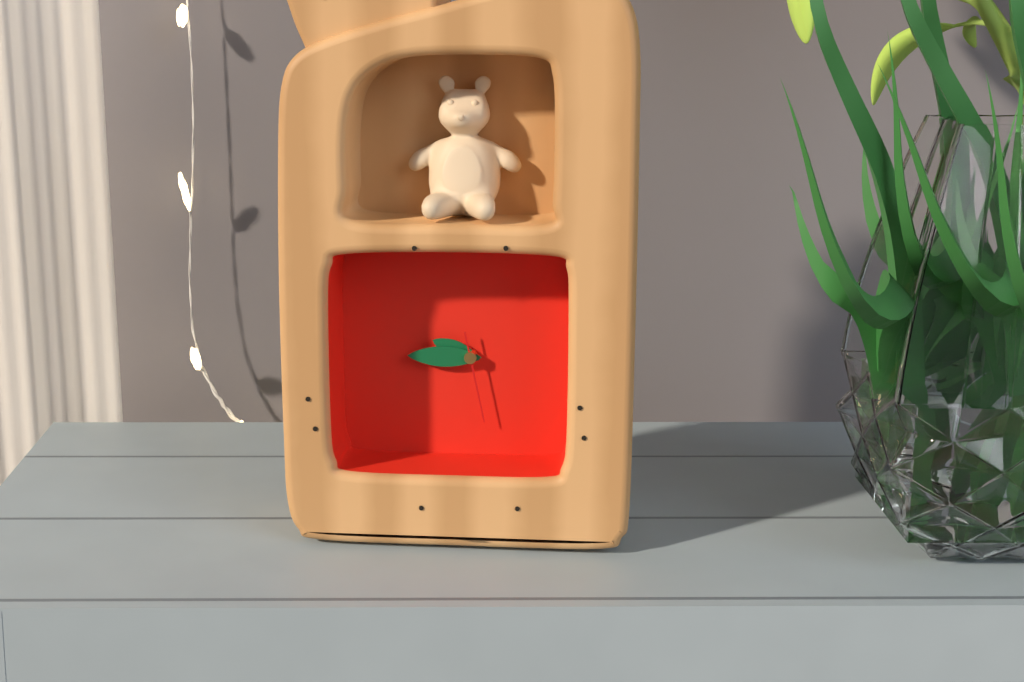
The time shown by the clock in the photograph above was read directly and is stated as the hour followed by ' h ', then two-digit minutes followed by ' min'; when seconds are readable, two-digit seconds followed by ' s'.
9 h 45 min 28 s
